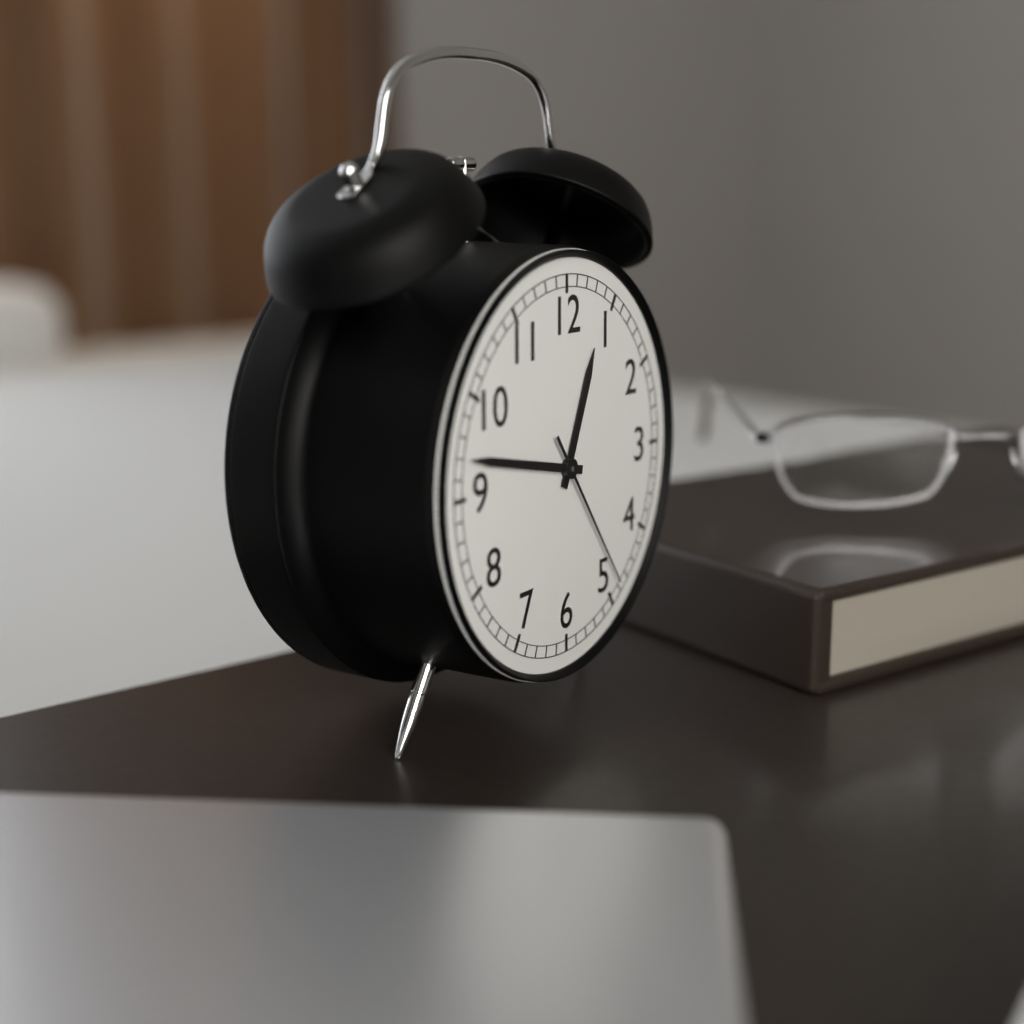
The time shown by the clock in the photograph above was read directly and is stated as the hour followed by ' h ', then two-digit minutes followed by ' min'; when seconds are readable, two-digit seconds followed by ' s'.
12 h 47 min 24 s
